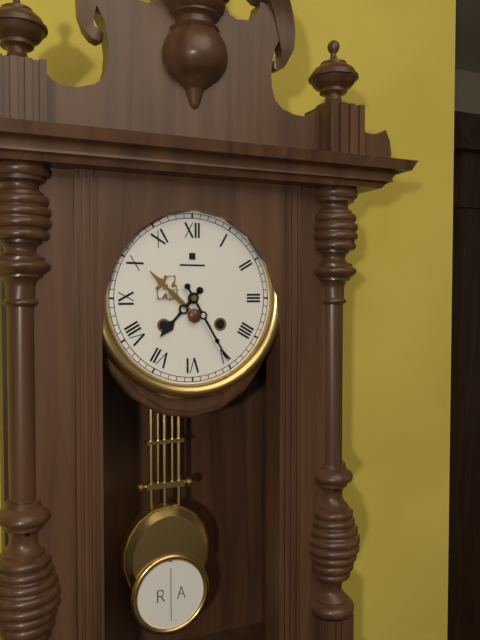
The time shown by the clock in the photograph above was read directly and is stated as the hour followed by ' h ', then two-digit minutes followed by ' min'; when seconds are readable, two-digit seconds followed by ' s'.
7 h 25 min
